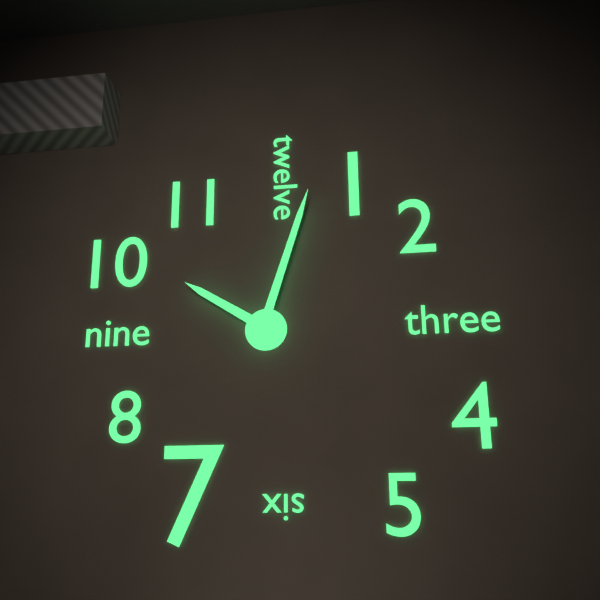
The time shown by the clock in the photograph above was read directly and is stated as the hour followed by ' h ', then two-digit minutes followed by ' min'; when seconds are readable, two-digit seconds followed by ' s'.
10 h 03 min
